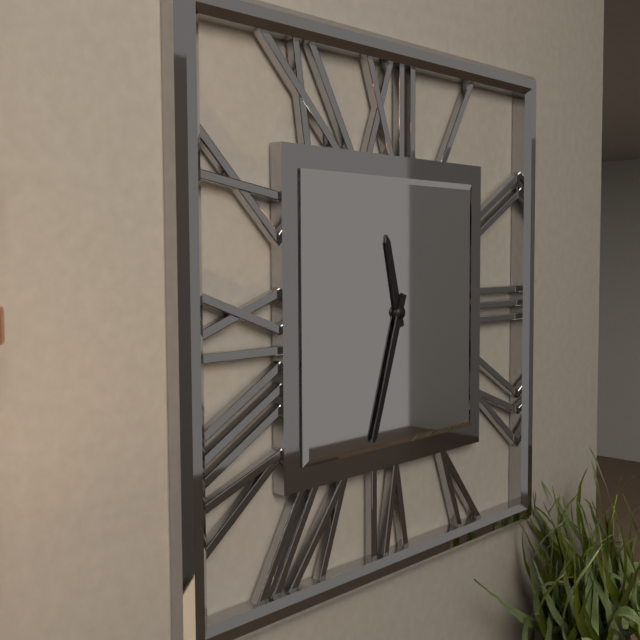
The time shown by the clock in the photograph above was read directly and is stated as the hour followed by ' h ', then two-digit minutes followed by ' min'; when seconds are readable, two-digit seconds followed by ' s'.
11 h 33 min
